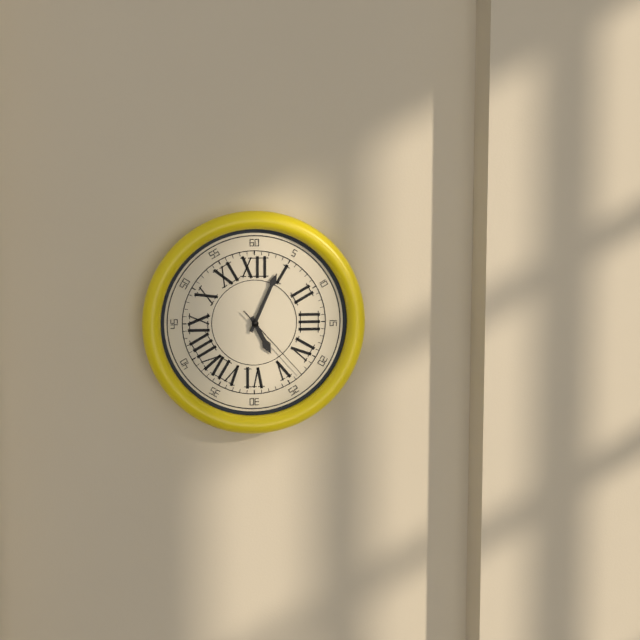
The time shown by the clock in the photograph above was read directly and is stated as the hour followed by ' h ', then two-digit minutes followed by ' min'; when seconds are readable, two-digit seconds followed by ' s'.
5 h 04 min 23 s
